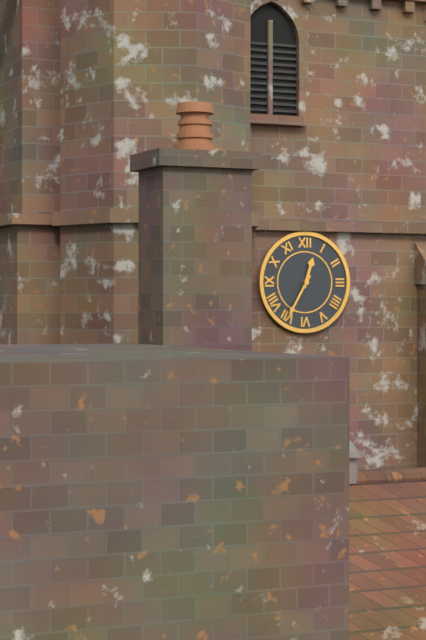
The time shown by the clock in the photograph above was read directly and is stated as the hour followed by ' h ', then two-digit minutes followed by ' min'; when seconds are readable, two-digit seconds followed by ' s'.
12 h 35 min
